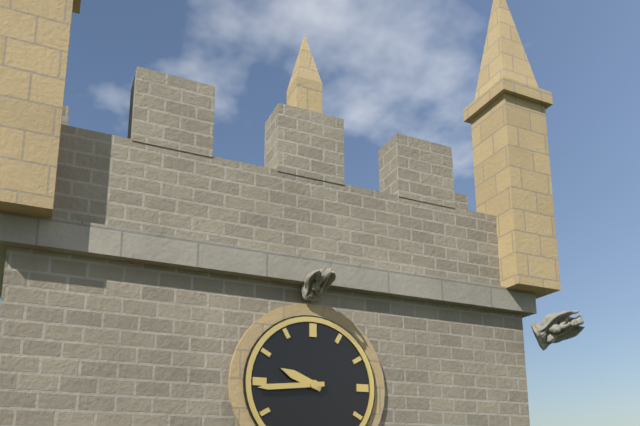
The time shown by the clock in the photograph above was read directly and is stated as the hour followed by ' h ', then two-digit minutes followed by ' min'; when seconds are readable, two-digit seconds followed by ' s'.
9 h 44 min
